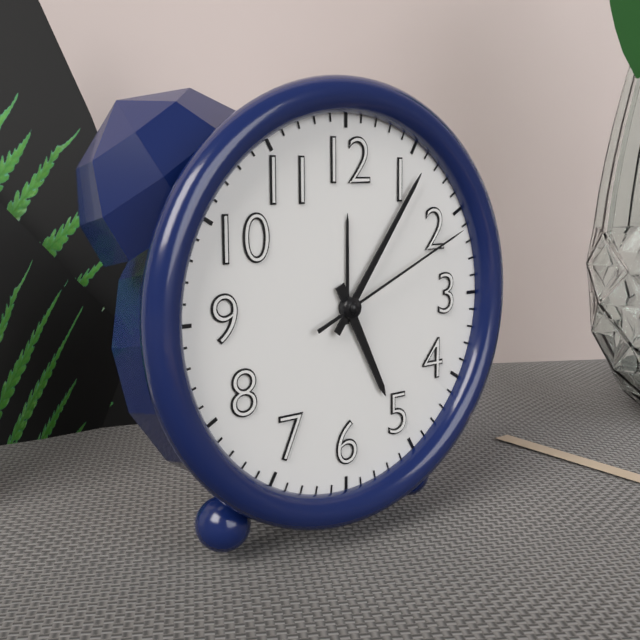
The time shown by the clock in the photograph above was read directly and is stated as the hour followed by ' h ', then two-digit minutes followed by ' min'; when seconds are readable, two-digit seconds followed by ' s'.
5 h 06 min 11 s
